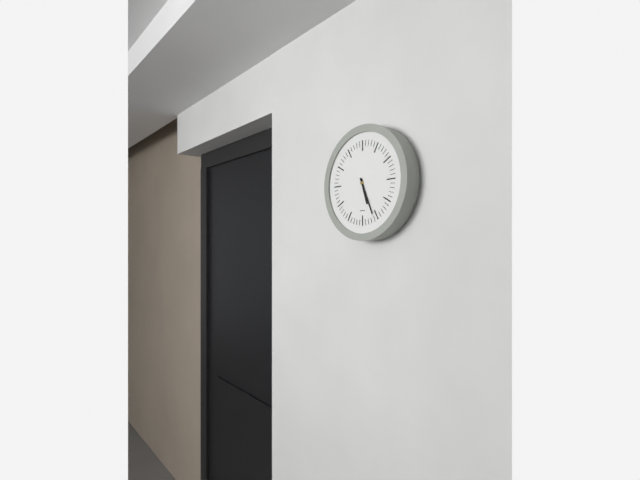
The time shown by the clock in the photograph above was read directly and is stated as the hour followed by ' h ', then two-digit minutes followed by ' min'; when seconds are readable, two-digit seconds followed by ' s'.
5 h 26 min
